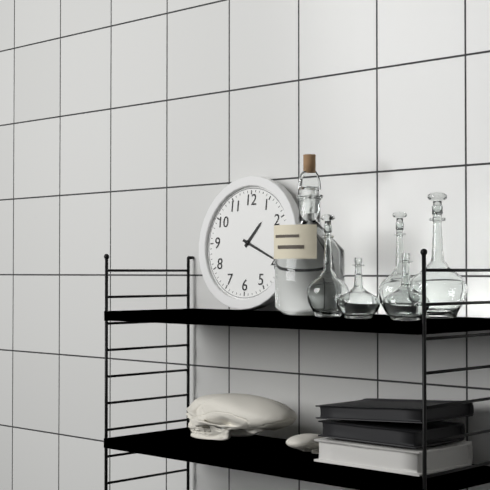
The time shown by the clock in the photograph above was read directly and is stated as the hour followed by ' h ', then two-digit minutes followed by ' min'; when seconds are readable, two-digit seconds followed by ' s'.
1 h 19 min
